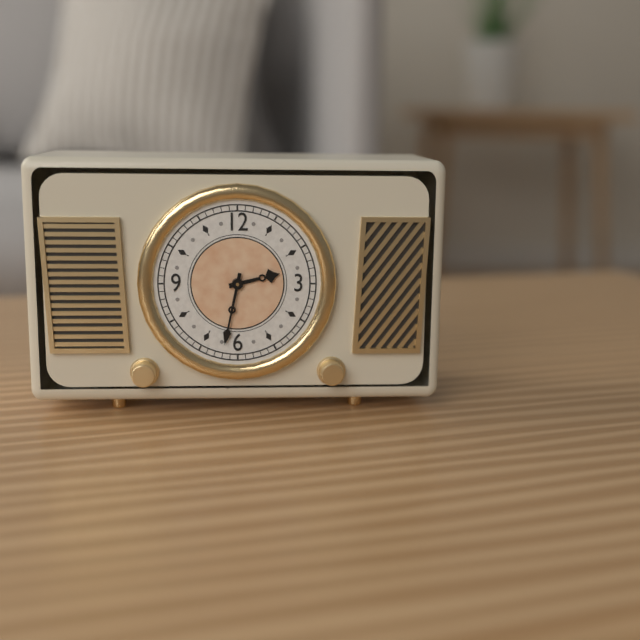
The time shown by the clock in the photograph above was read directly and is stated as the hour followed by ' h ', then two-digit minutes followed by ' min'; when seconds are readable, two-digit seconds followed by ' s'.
2 h 32 min
